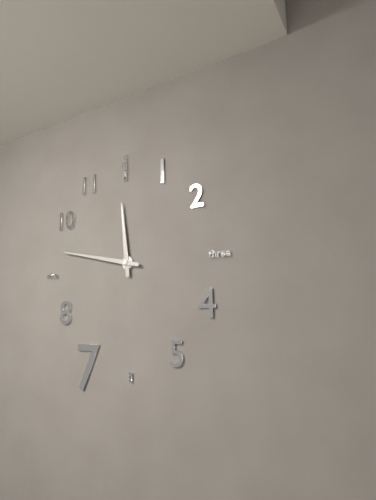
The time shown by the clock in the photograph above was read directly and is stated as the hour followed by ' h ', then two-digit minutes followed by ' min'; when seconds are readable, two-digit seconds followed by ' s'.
11 h 47 min
